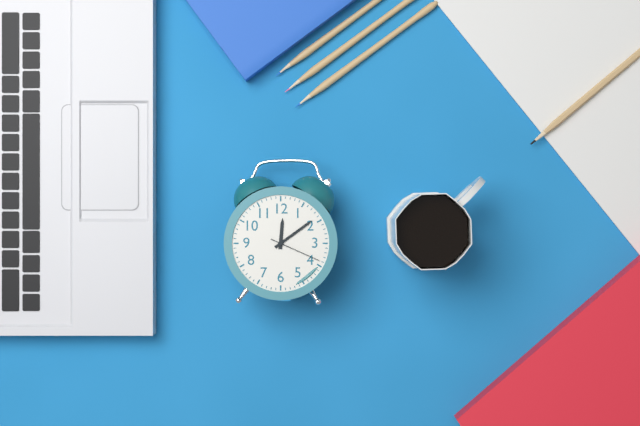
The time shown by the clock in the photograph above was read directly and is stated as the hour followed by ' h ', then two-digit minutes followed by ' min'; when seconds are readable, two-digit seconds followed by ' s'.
12 h 09 min 19 s
